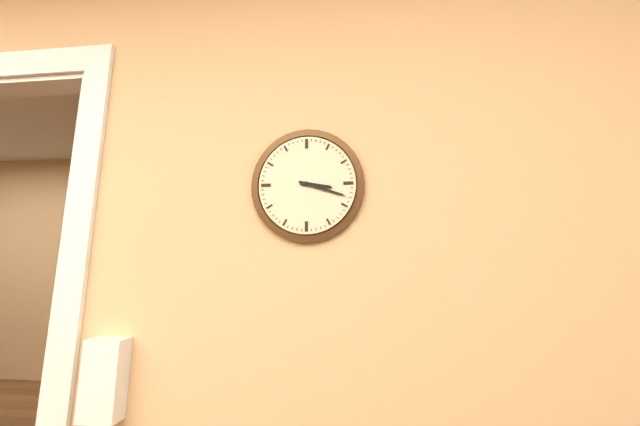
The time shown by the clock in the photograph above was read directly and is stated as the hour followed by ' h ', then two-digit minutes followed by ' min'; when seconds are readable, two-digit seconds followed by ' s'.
3 h 18 min
